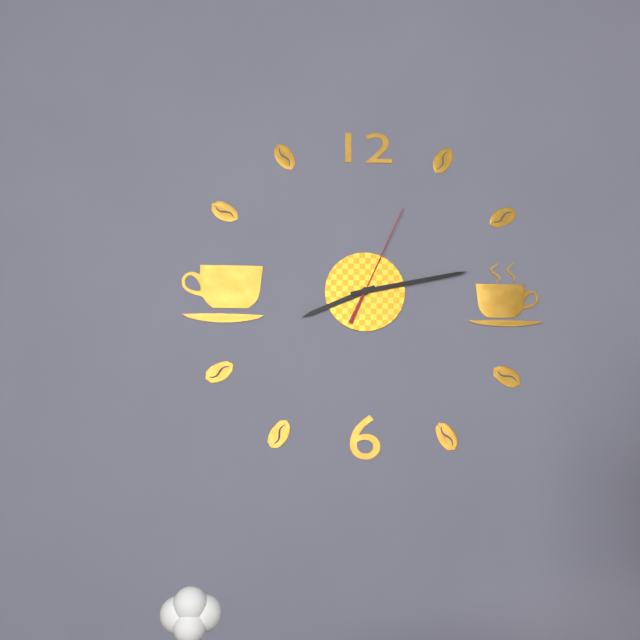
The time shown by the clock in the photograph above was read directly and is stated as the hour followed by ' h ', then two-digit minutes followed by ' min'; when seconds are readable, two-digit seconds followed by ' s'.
8 h 13 min 04 s
